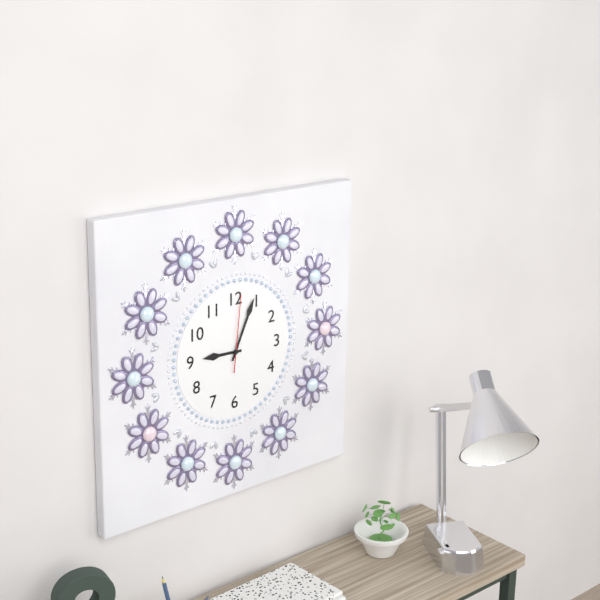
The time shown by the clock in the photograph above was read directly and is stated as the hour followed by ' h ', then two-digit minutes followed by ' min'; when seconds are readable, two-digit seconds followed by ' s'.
9 h 04 min 01 s
